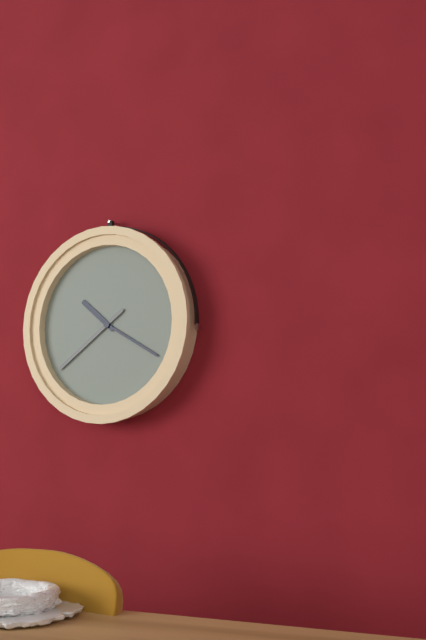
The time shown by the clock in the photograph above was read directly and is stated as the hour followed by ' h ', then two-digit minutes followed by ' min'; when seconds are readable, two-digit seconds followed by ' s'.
10 h 20 min 39 s
